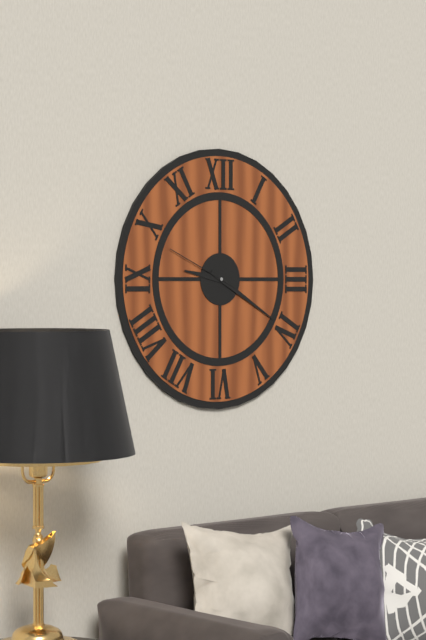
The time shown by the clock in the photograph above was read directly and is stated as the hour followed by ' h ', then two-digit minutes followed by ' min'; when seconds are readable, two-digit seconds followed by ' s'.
9 h 20 min 49 s
